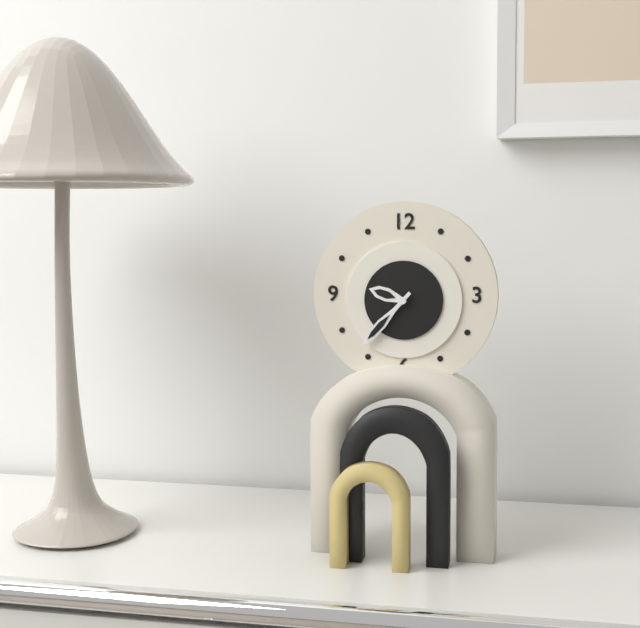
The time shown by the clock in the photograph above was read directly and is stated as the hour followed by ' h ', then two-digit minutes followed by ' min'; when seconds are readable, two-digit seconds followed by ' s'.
9 h 37 min
